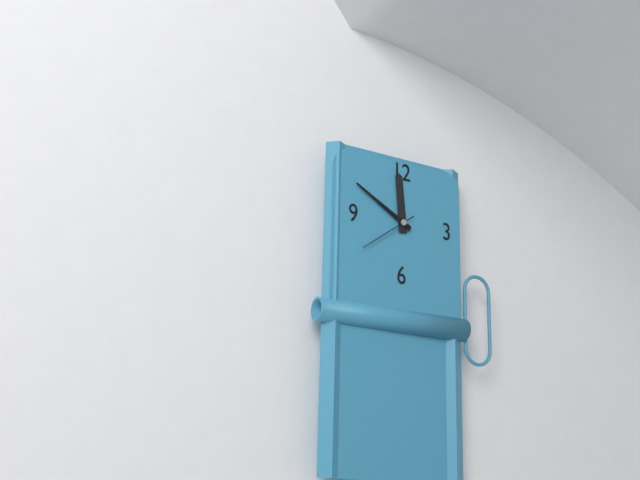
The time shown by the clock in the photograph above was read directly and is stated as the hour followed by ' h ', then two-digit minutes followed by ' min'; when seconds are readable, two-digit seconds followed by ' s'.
11 h 50 min 39 s
